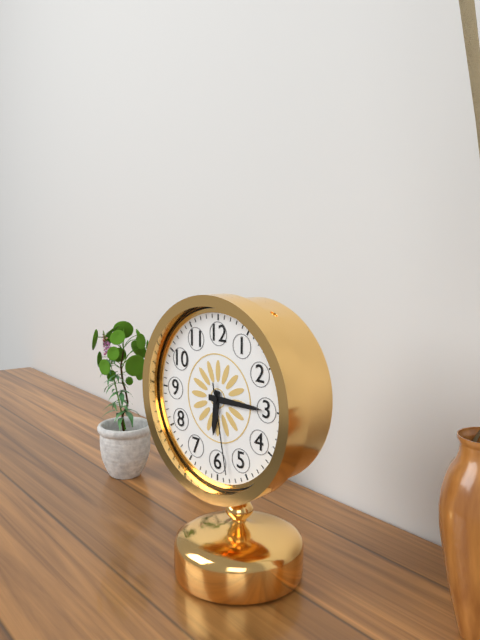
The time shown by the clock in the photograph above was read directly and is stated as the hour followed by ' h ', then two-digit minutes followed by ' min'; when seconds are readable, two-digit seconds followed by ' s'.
6 h 15 min 28 s
